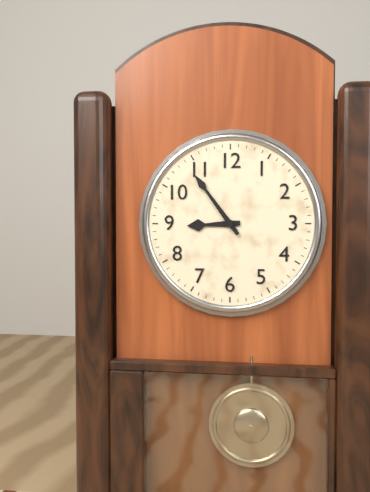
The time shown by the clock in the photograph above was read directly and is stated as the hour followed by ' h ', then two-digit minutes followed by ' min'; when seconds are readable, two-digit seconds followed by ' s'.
8 h 54 min
